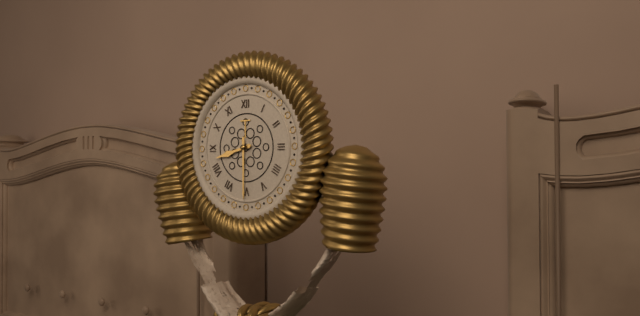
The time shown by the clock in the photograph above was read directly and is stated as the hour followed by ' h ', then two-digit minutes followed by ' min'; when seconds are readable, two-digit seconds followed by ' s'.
8 h 30 min
